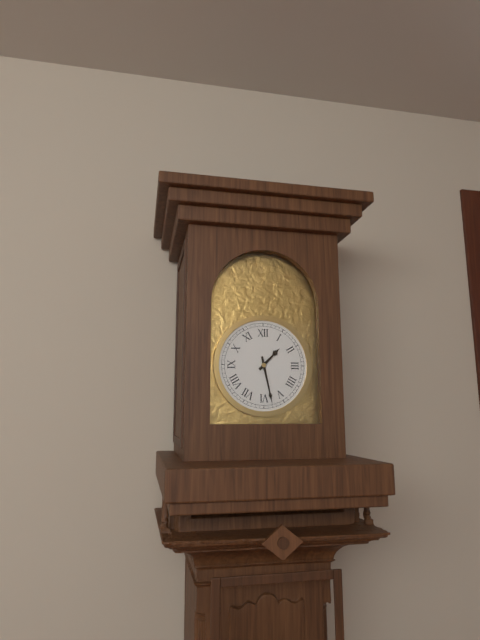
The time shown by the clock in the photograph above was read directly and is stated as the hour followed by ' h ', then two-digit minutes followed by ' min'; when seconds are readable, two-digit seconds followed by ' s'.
1 h 28 min
